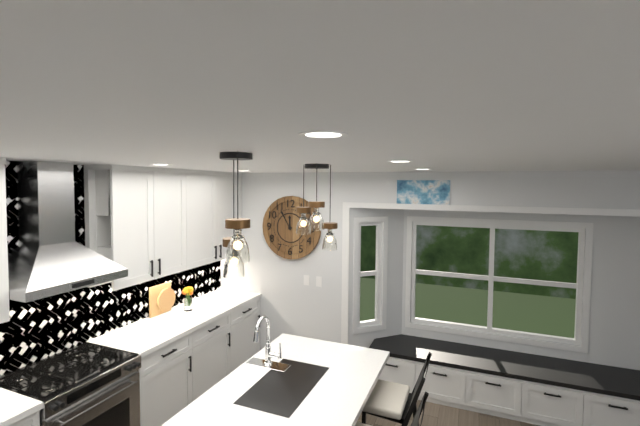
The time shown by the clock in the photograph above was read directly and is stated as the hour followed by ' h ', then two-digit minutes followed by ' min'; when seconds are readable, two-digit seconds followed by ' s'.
11 h 55 min
